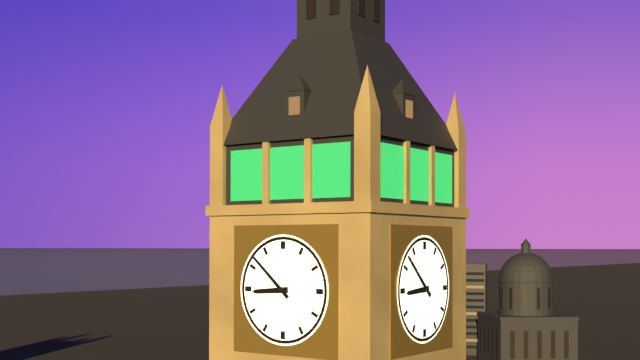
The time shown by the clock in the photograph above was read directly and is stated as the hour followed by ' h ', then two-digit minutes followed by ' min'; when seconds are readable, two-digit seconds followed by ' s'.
8 h 52 min
